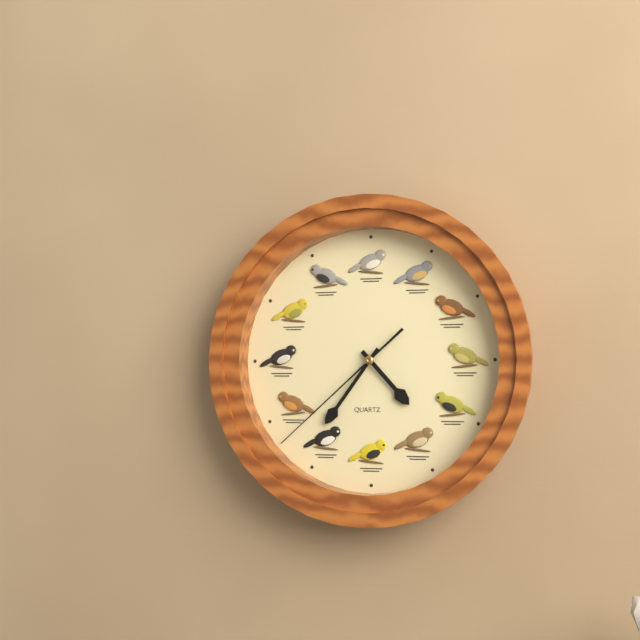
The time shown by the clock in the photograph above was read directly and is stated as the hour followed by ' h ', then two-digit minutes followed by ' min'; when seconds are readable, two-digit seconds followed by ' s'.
4 h 36 min 38 s
